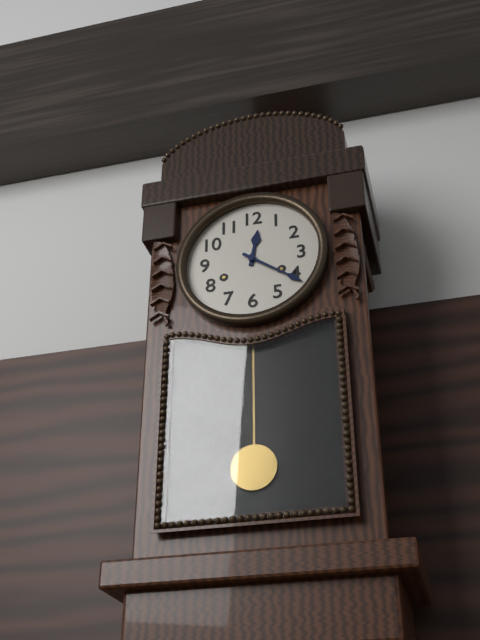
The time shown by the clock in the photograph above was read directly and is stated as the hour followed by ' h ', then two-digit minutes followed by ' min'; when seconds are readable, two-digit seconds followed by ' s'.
12 h 21 min
